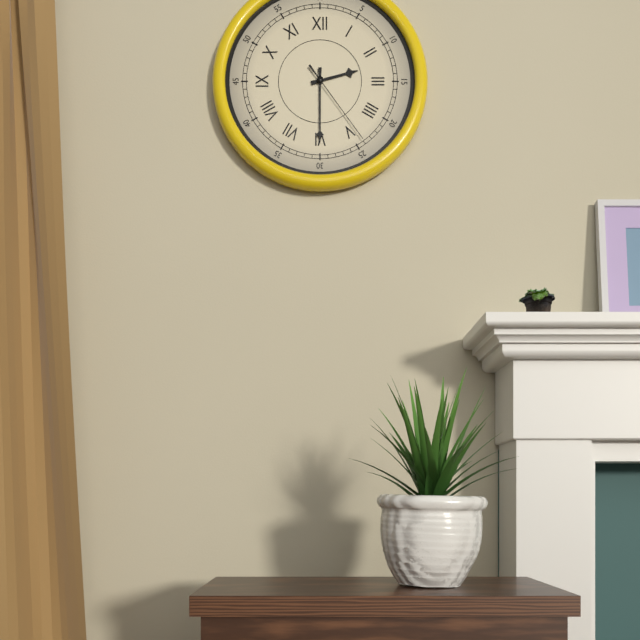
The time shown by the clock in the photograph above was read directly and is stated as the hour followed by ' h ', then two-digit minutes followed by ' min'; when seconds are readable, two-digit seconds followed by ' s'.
2 h 30 min 24 s
